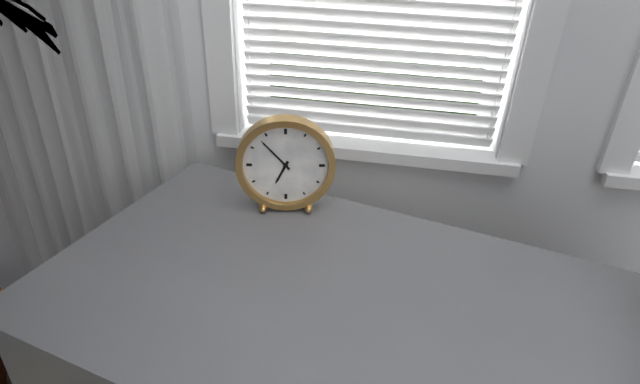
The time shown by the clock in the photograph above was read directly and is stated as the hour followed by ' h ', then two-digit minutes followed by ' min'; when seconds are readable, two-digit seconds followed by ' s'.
6 h 53 min
